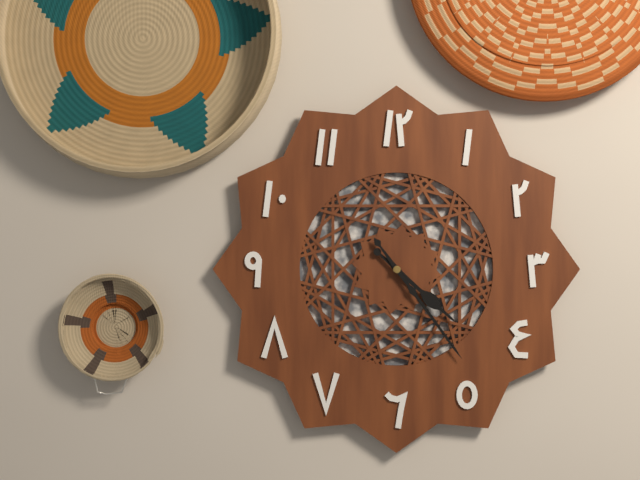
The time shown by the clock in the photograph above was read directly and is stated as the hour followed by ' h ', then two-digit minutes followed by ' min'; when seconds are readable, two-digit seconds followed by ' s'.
4 h 24 min
